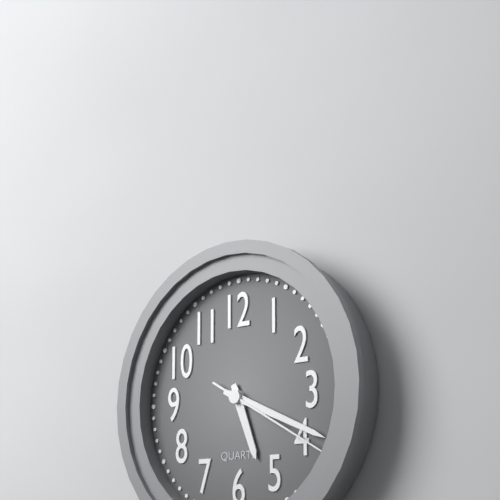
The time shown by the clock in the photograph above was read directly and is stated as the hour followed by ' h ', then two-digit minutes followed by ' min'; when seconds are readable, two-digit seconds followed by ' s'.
5 h 19 min 20 s
